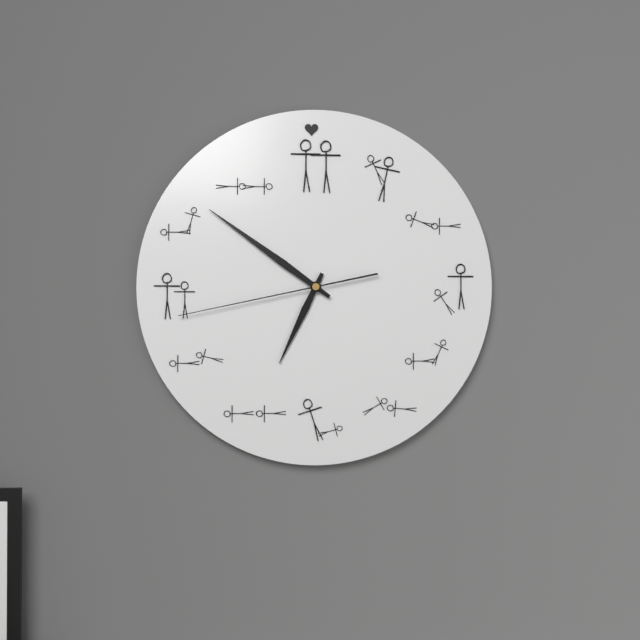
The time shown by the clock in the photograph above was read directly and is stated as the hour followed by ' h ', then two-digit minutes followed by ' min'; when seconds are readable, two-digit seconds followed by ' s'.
6 h 51 min 43 s
